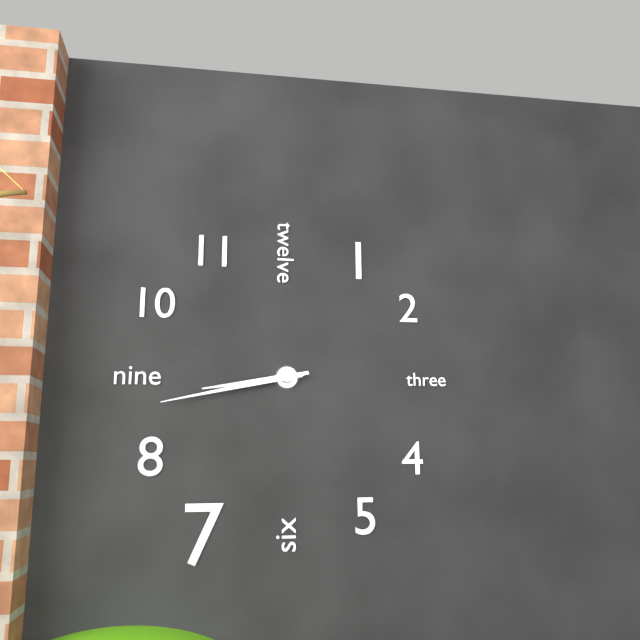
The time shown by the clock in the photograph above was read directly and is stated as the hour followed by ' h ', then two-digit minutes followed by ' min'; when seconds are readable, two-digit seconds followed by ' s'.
8 h 43 min
